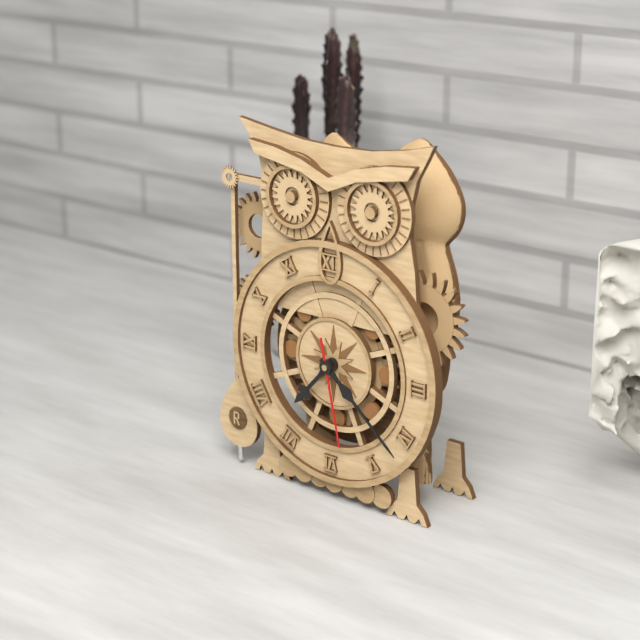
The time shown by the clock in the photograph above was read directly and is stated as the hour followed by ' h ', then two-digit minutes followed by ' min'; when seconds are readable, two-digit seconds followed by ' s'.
7 h 22 min 28 s
